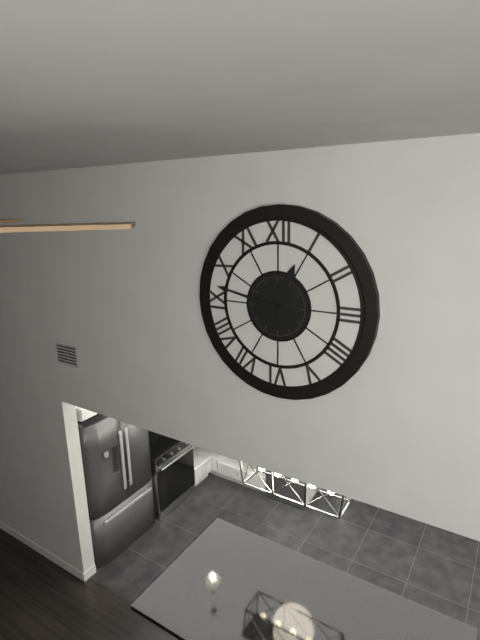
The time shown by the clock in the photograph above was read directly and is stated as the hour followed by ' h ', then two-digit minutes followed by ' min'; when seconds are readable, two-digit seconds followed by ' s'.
12 h 47 min
